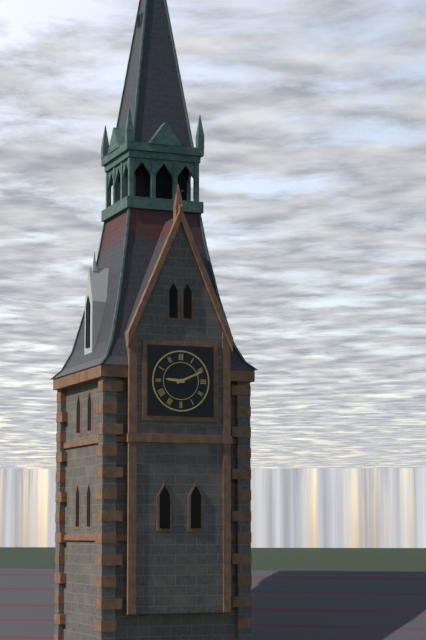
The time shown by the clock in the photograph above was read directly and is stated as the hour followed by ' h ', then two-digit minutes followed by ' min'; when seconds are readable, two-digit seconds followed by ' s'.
9 h 11 min
